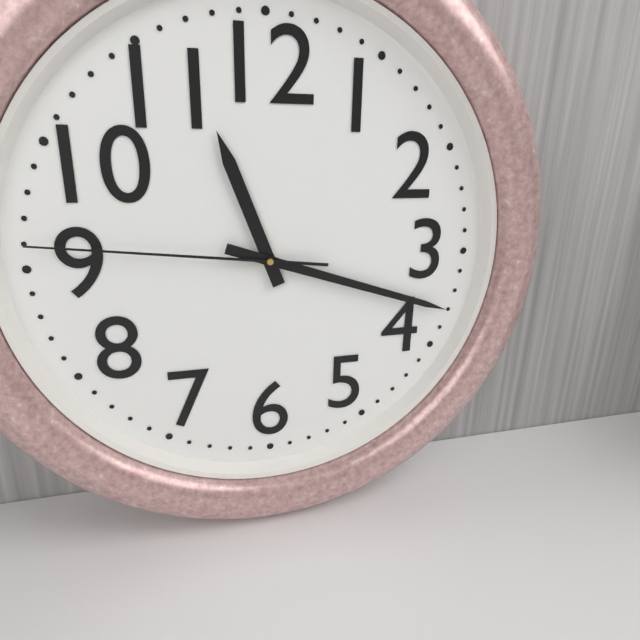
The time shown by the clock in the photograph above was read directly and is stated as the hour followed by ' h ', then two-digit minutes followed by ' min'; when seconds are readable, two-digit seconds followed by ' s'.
11 h 18 min 46 s
